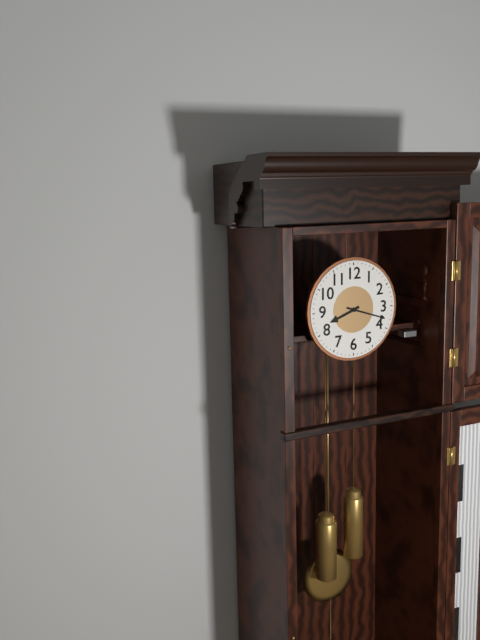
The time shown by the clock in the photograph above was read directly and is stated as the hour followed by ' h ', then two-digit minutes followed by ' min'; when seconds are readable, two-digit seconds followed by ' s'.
8 h 18 min
